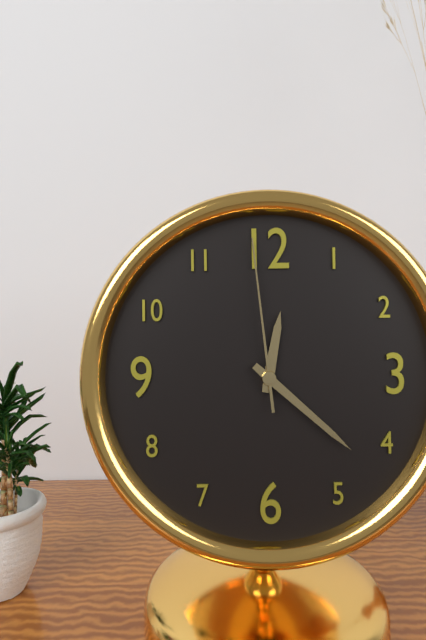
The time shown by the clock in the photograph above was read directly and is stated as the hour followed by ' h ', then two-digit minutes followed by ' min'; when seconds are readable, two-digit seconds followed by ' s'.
12 h 22 min 59 s
